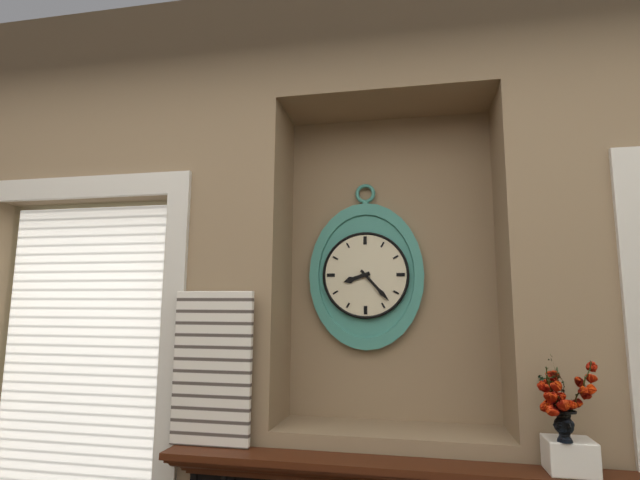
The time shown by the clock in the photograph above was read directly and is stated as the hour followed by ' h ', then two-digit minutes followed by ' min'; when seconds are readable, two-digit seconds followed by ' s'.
8 h 23 min
